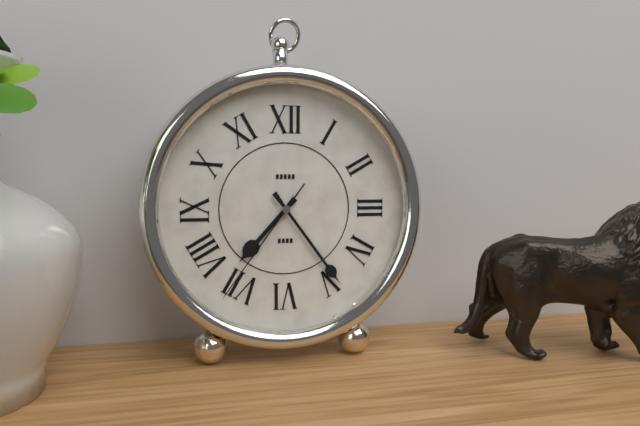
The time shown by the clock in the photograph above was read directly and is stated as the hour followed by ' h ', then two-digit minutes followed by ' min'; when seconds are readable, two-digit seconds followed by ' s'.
7 h 24 min 36 s
